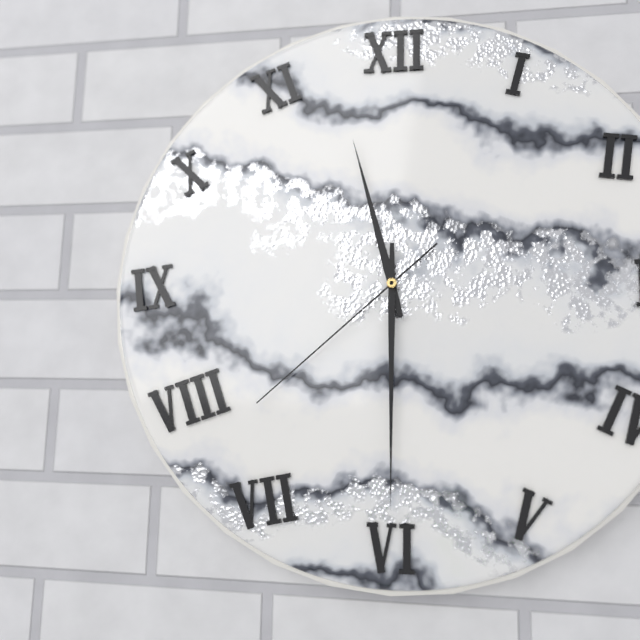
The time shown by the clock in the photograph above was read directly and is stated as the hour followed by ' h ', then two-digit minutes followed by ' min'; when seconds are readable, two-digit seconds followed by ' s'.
11 h 30 min 38 s
